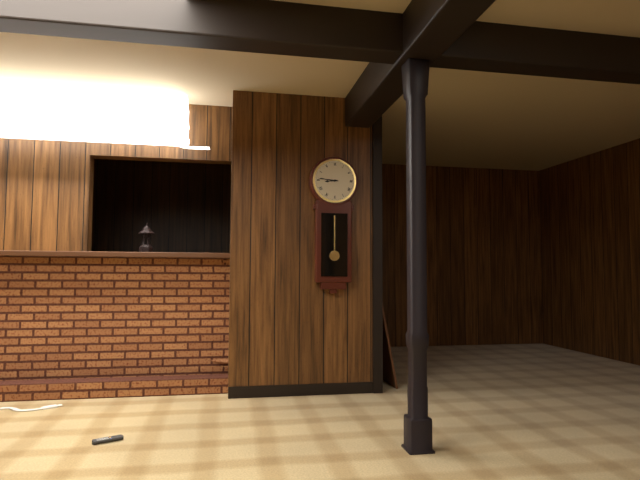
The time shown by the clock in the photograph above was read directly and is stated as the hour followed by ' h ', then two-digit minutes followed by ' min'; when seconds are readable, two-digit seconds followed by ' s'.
8 h 46 min
